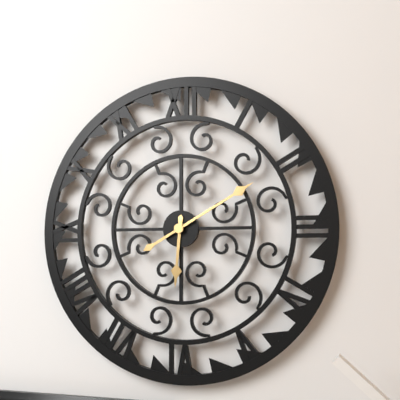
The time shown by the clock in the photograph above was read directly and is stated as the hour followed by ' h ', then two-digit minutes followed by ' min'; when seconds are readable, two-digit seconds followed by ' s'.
6 h 10 min
